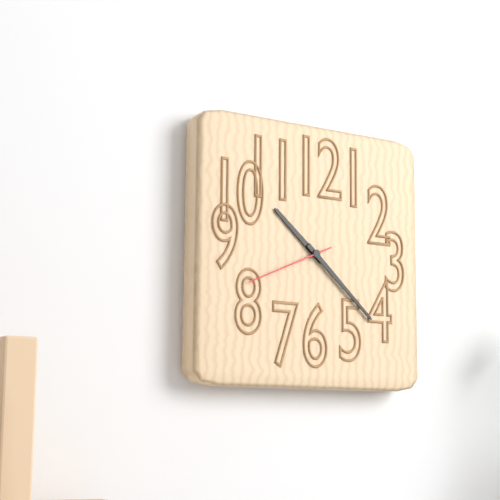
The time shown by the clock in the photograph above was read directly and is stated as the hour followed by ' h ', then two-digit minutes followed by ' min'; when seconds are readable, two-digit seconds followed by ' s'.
10 h 22 min 41 s
